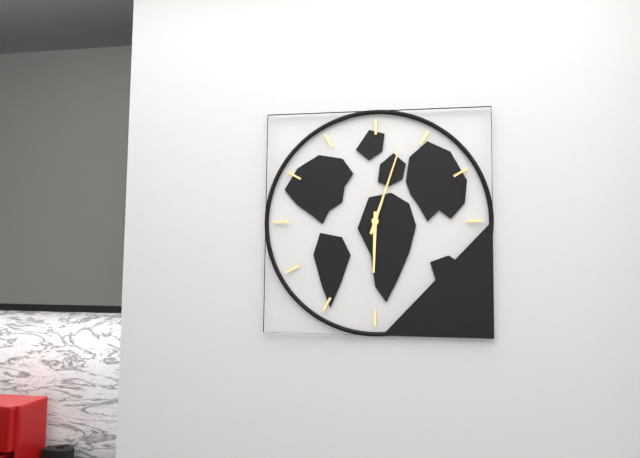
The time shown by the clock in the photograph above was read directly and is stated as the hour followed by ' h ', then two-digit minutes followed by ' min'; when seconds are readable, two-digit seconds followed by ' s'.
6 h 03 min
